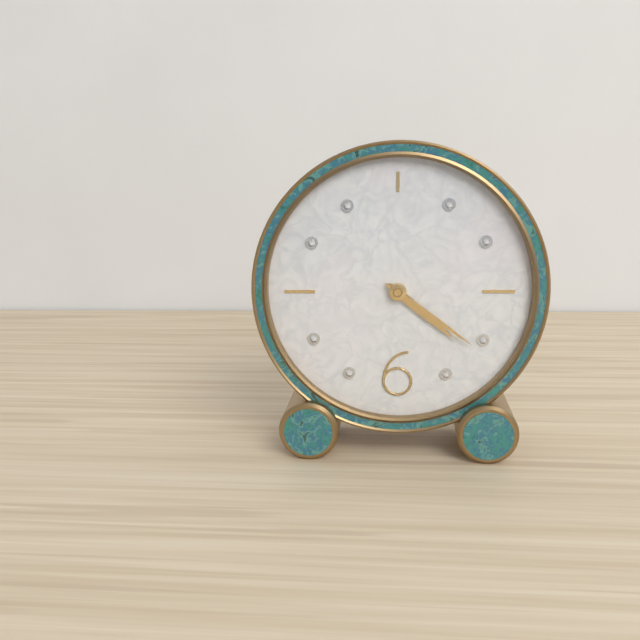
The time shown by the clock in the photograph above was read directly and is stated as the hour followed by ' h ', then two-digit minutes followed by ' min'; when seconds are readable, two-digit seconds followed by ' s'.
4 h 21 min
